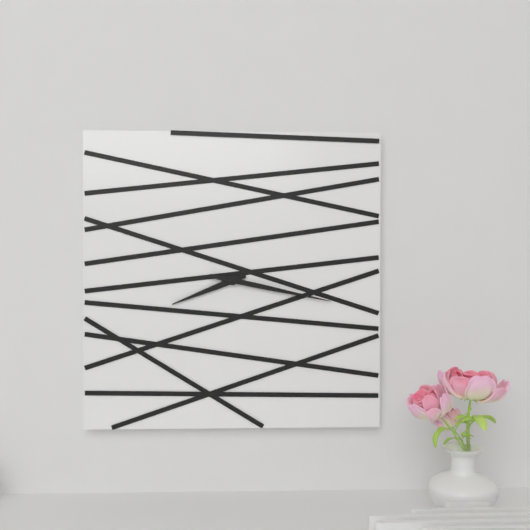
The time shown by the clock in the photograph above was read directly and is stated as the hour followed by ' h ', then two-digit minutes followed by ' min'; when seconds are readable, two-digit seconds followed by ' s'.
8 h 17 min
